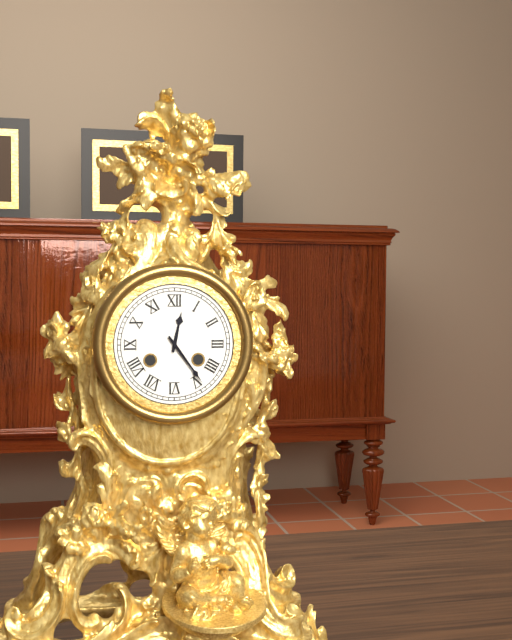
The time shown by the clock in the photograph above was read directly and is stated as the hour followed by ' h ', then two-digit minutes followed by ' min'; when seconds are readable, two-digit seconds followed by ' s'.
12 h 24 min
